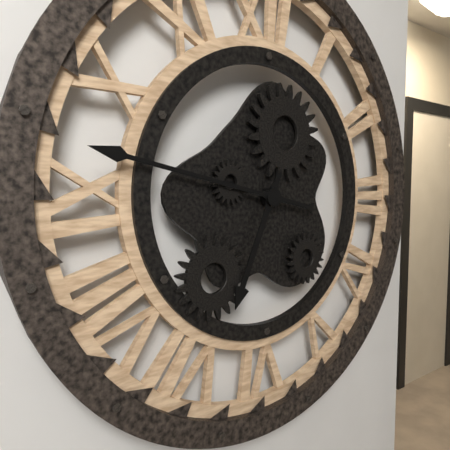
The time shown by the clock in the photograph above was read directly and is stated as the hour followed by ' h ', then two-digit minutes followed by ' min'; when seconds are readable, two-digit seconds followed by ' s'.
6 h 47 min
